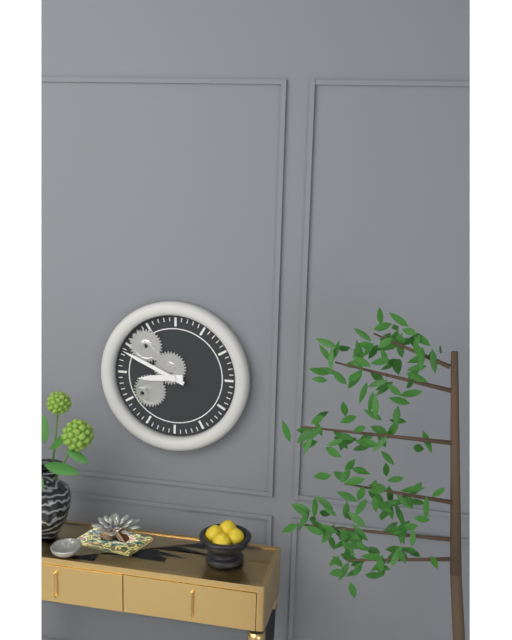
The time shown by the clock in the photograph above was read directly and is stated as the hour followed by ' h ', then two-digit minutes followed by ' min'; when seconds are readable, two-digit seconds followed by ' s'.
8 h 49 min
